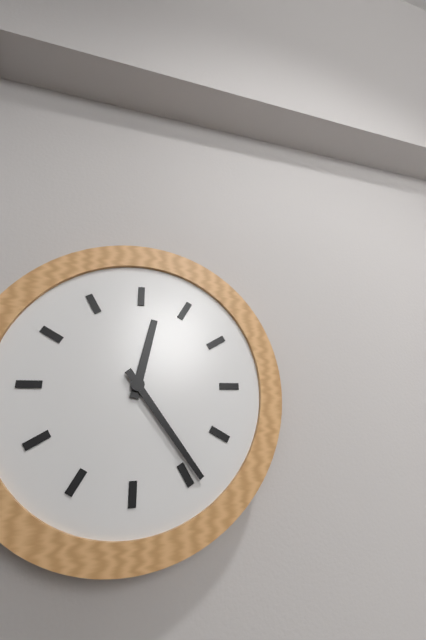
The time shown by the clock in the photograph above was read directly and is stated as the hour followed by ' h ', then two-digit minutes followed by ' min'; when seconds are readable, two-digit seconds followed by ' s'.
12 h 24 min
